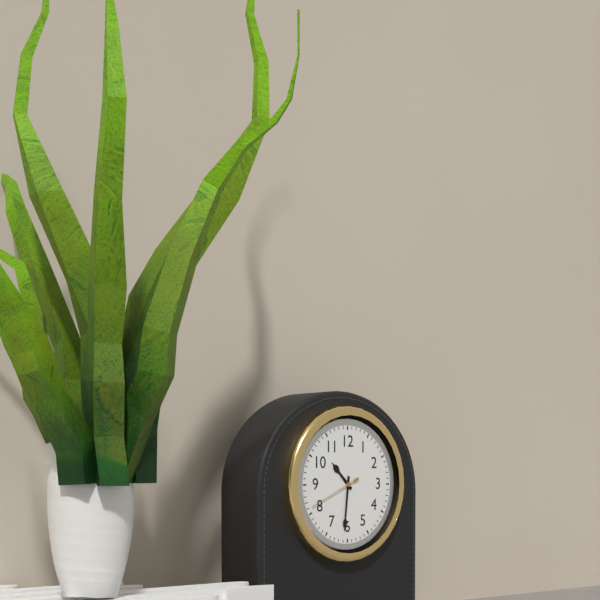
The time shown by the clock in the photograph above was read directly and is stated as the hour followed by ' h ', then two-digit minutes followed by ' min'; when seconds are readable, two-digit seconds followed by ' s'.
10 h 31 min 41 s
